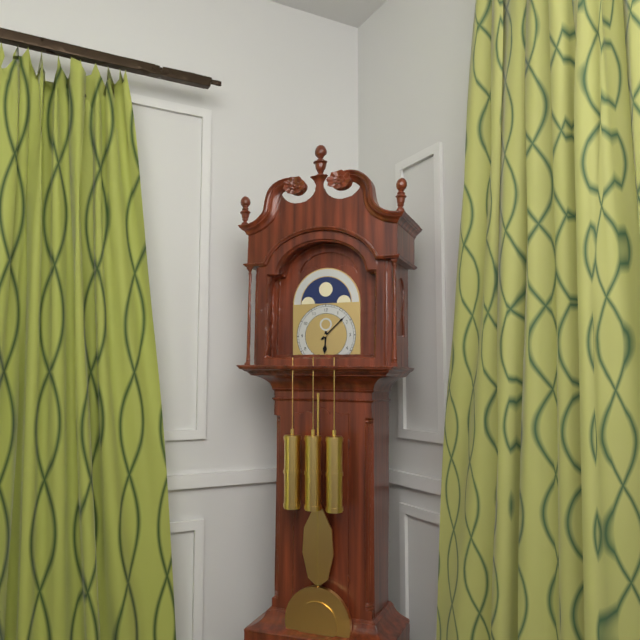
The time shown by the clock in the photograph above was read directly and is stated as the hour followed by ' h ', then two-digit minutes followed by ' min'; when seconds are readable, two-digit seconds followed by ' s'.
6 h 08 min
